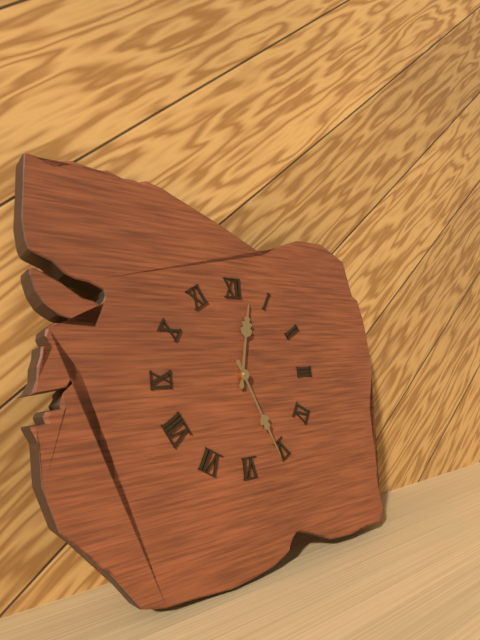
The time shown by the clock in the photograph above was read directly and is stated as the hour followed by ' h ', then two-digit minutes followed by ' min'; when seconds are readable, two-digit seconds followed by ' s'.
12 h 26 min
